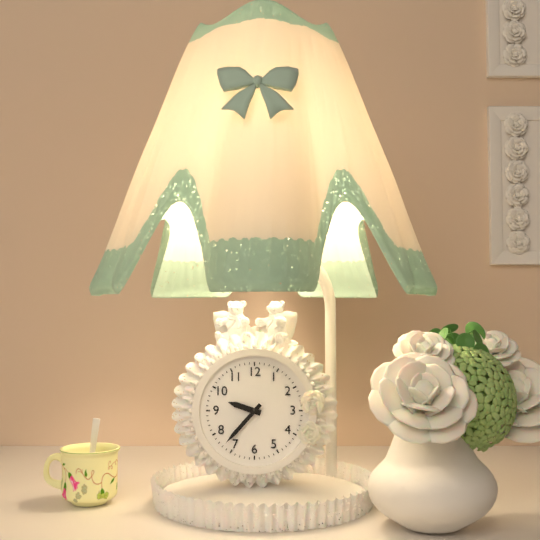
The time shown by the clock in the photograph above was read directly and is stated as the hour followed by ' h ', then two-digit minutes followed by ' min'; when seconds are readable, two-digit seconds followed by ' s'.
9 h 37 min
